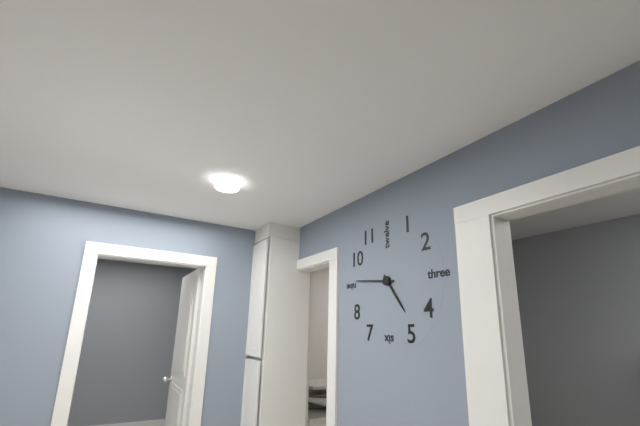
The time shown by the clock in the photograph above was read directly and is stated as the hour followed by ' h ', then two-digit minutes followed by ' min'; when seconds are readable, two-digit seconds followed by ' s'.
4 h 46 min
